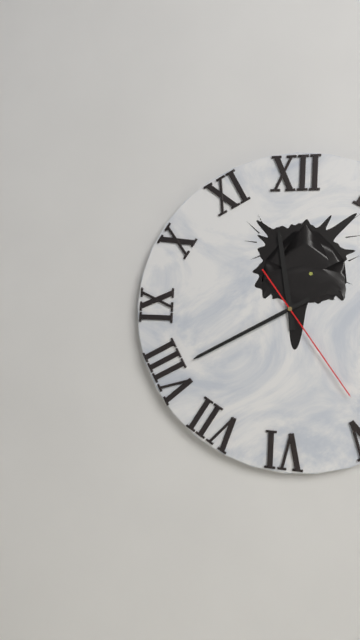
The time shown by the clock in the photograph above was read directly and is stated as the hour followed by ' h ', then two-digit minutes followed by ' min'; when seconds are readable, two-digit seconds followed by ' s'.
11 h 40 min 24 s
